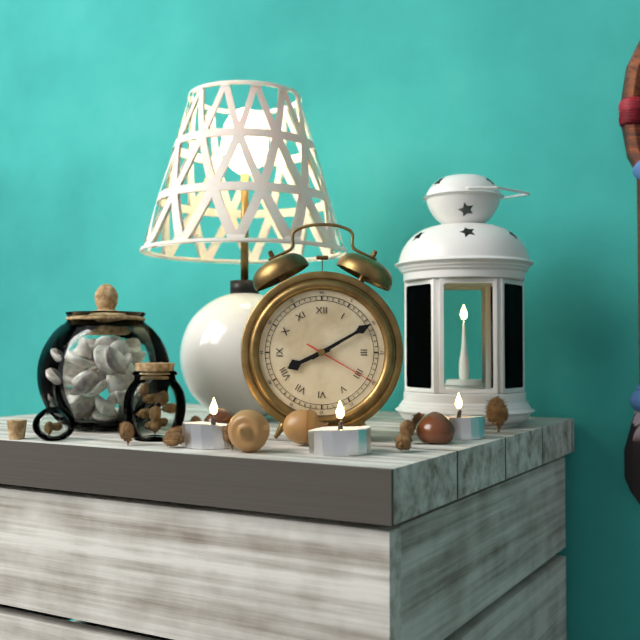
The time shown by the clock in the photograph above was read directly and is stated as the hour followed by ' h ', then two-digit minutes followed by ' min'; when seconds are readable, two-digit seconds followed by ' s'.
8 h 10 min 20 s
